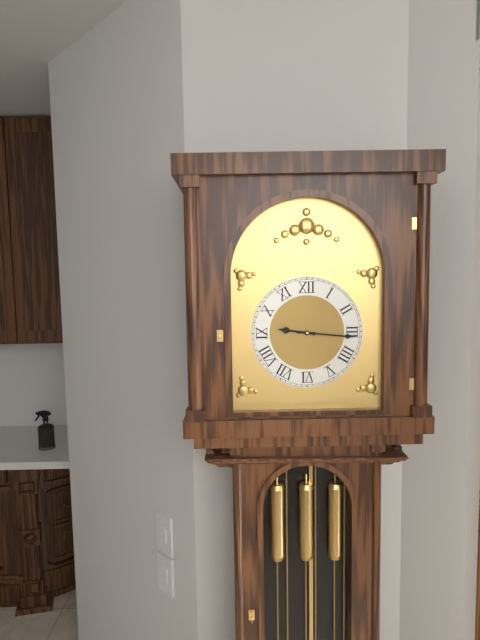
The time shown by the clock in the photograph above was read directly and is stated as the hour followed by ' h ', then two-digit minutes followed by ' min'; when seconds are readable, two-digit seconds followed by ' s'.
9 h 16 min
